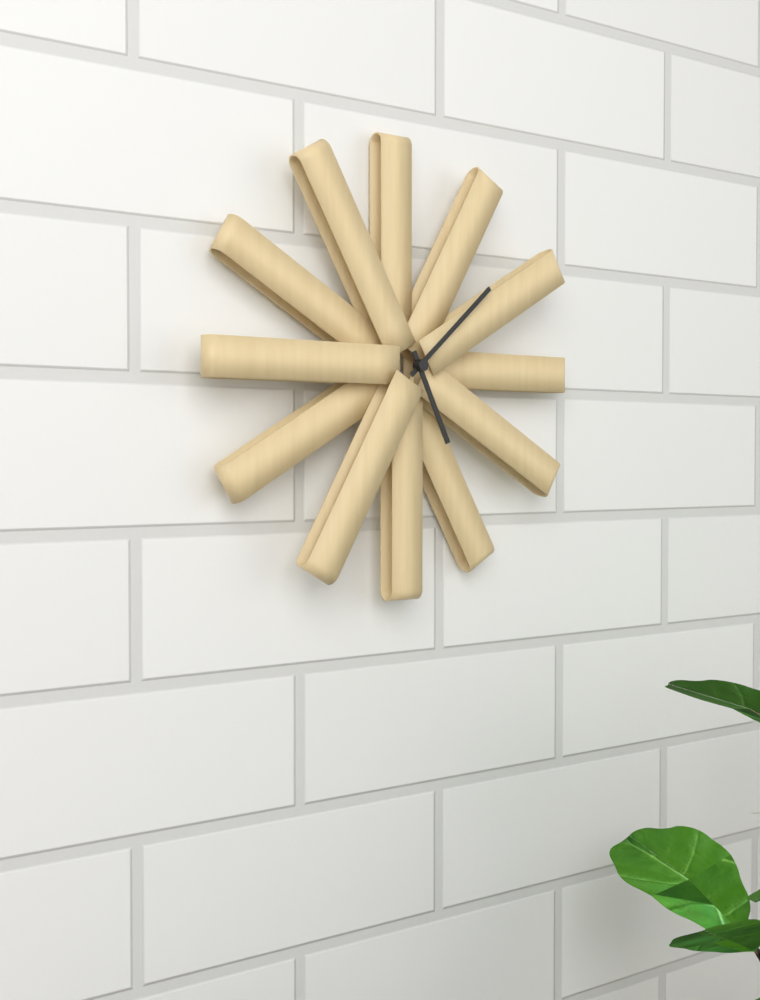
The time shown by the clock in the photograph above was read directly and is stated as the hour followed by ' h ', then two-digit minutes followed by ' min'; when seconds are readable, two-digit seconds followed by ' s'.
5 h 08 min
